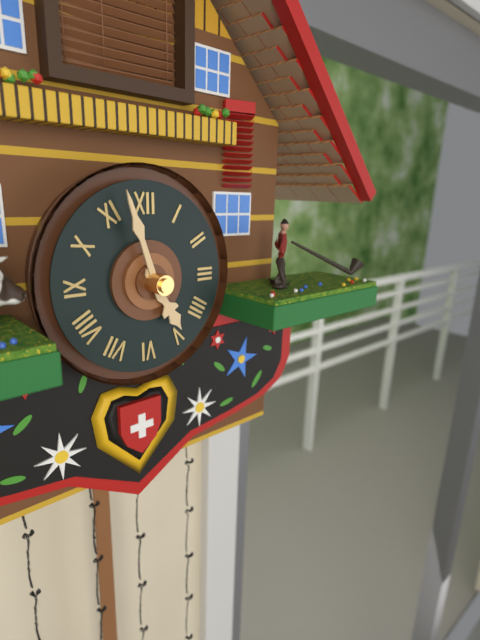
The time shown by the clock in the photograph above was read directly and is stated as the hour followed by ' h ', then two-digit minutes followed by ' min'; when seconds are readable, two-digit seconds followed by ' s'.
4 h 57 min
